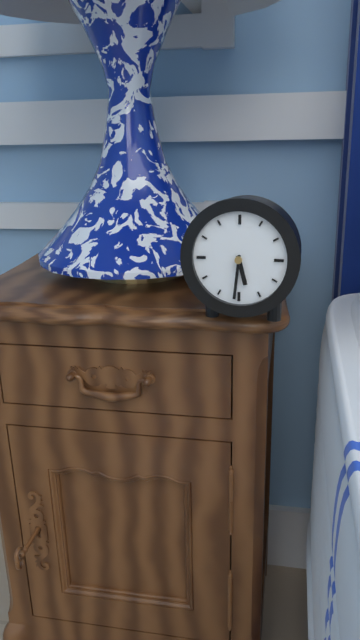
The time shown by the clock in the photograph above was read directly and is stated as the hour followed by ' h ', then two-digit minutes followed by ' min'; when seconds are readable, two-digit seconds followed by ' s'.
5 h 31 min
